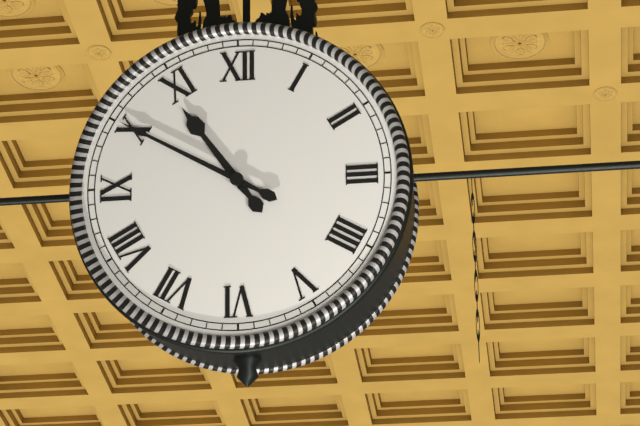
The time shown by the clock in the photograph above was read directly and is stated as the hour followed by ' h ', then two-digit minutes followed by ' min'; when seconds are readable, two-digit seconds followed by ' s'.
10 h 50 min
